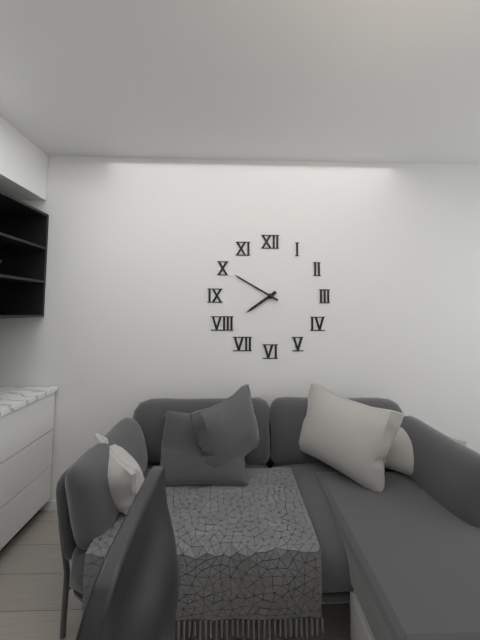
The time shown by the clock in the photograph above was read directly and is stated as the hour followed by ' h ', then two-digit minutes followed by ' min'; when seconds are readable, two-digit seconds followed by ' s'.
7 h 50 min
